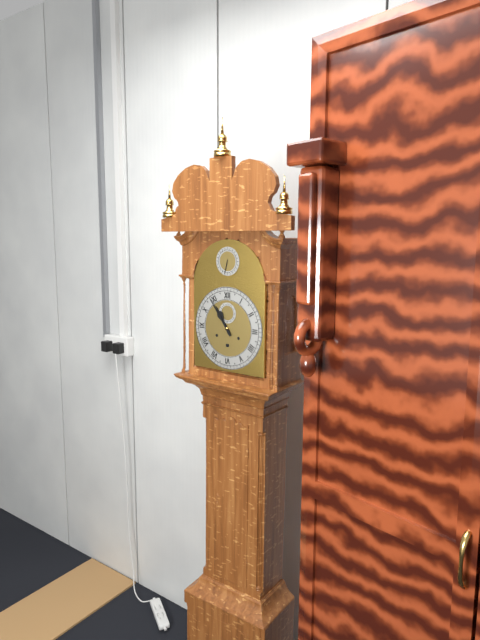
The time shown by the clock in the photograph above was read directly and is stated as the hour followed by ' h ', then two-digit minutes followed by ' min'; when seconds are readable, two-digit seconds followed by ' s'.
10 h 54 min
